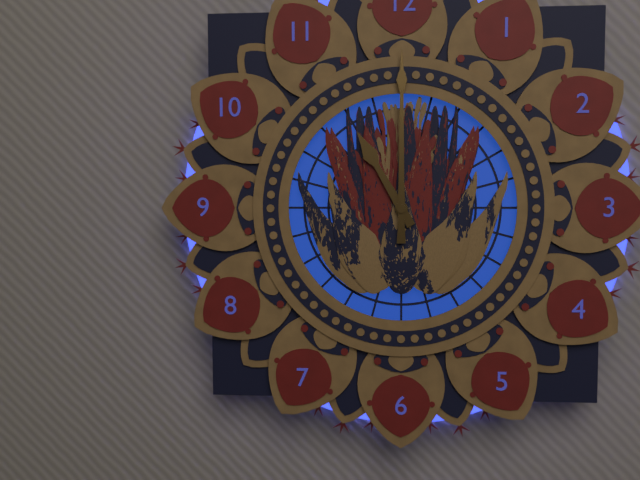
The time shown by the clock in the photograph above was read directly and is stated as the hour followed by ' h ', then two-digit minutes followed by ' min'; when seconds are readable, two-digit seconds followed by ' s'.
11 h 00 min
